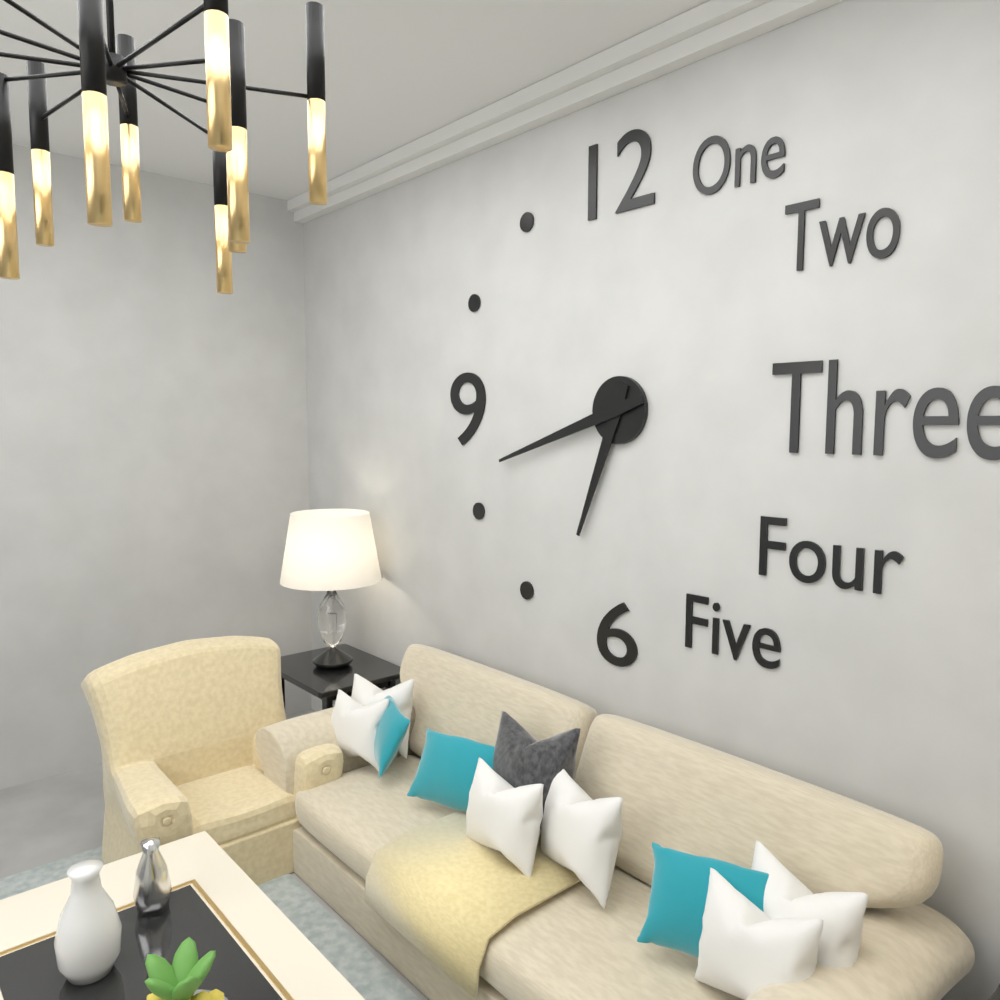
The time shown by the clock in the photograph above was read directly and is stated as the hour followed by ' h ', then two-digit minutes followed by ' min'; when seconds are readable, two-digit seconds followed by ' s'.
6 h 42 min
